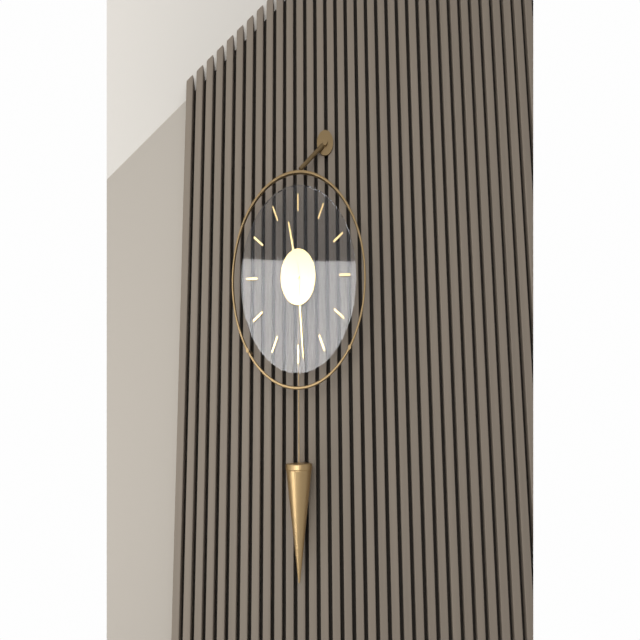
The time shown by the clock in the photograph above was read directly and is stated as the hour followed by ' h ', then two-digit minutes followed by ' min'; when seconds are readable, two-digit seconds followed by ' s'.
11 h 29 min
